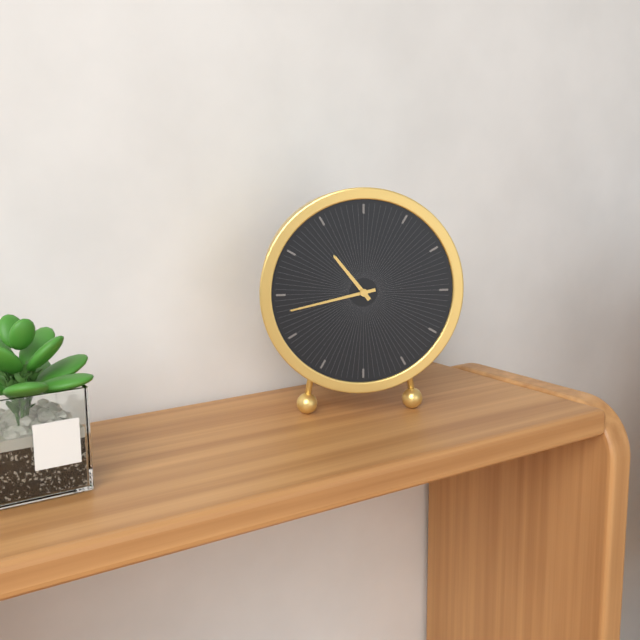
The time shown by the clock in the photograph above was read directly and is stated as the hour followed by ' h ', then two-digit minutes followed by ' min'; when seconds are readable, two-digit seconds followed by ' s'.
10 h 43 min
